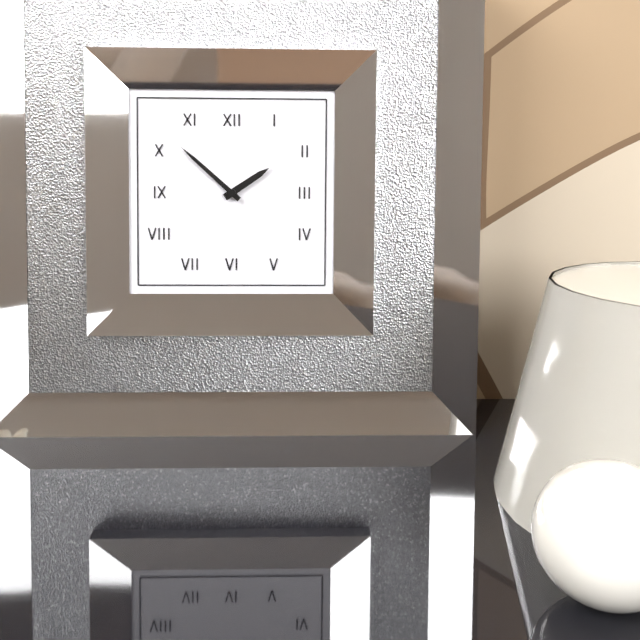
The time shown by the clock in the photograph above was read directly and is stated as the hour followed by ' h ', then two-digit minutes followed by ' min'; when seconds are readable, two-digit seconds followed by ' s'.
1 h 52 min
